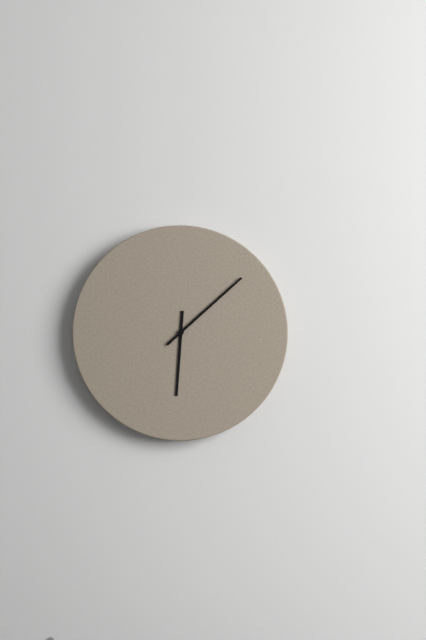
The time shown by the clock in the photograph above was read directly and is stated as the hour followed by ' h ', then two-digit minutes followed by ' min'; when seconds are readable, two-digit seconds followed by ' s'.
6 h 08 min
